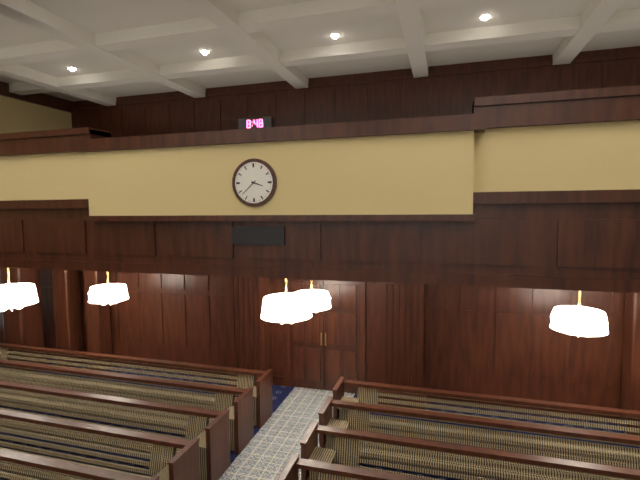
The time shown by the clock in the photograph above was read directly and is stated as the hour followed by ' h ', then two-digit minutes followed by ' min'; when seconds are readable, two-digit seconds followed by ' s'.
3 h 38 min
